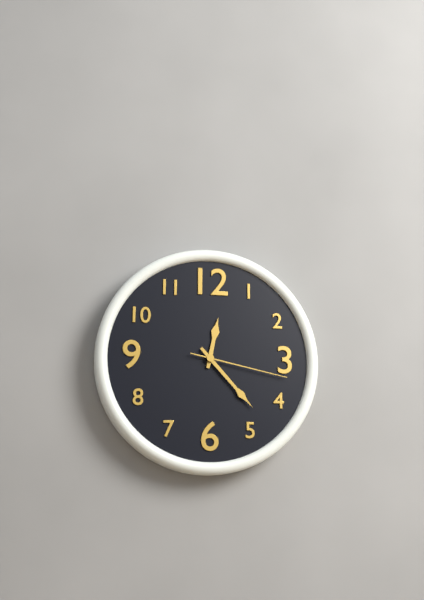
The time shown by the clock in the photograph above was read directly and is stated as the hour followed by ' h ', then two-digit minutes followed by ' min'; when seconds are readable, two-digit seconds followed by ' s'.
12 h 23 min 17 s
